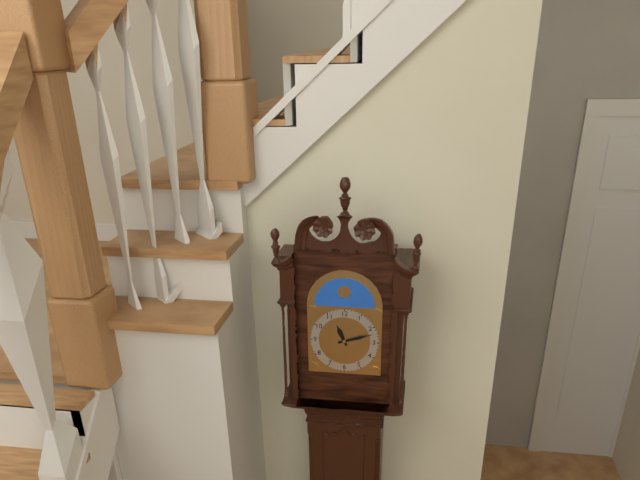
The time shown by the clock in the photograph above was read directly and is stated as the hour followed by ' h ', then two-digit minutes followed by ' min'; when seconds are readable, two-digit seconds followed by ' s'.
11 h 12 min
